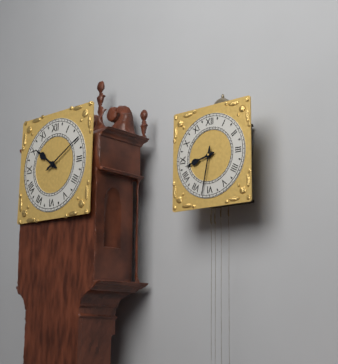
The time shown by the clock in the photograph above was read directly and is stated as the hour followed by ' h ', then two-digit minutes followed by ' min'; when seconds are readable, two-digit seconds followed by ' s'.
8 h 32 min
